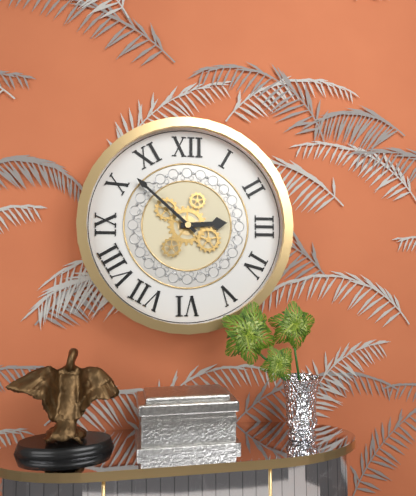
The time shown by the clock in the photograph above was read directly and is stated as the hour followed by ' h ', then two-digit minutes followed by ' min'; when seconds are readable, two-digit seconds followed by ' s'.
2 h 52 min
